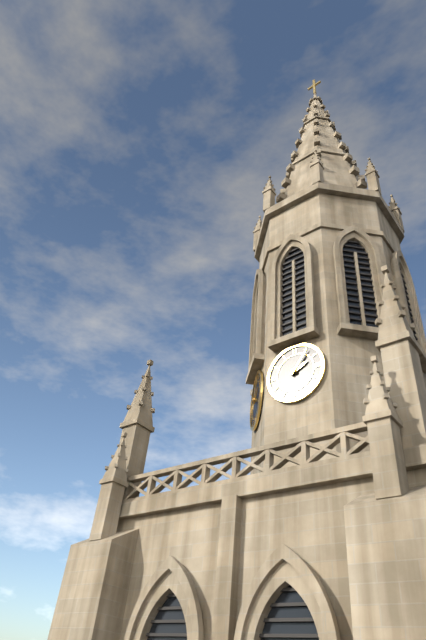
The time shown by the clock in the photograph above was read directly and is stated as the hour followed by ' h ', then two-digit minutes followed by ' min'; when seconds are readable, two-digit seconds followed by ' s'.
2 h 06 min
